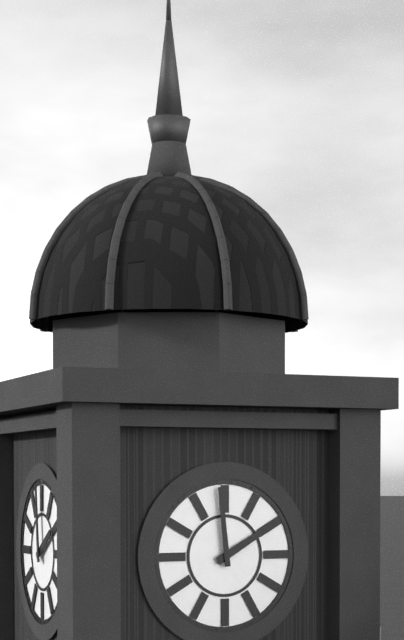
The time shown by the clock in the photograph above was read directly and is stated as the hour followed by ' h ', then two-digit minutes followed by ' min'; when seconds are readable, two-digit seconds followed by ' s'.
1 h 59 min
